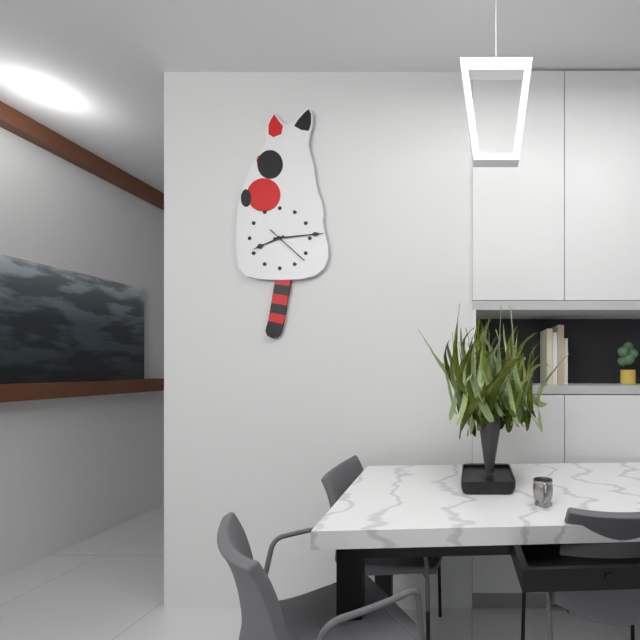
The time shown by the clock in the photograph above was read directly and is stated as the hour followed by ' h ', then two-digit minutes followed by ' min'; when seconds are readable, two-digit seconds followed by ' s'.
8 h 14 min
